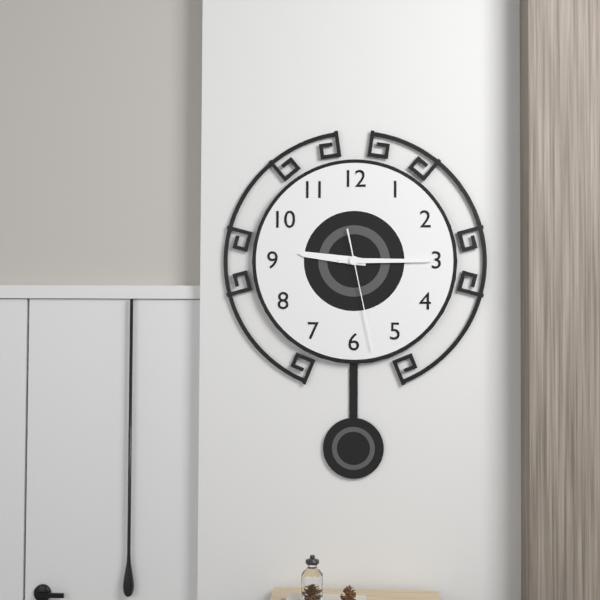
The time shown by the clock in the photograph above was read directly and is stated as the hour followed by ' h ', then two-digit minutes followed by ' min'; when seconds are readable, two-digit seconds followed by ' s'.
9 h 15 min 28 s
